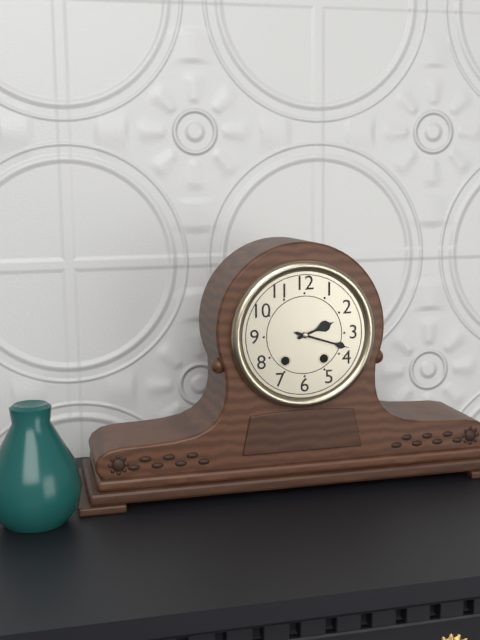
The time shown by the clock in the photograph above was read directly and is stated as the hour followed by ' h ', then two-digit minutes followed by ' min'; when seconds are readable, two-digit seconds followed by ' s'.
2 h 18 min
